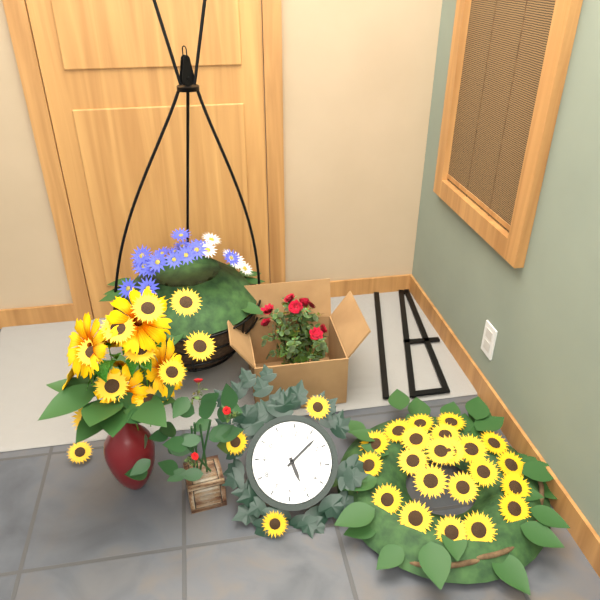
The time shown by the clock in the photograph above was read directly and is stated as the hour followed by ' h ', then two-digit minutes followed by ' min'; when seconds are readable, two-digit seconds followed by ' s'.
5 h 07 min
